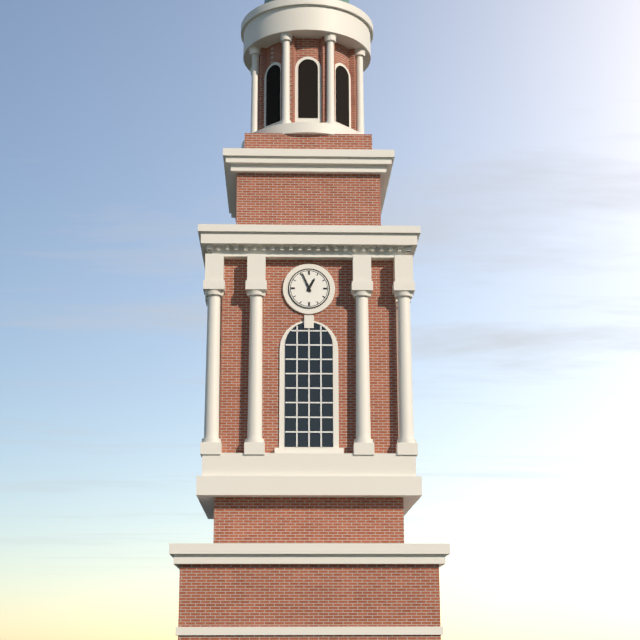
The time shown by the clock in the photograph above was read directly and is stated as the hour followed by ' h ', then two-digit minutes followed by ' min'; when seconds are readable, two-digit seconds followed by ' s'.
12 h 56 min
